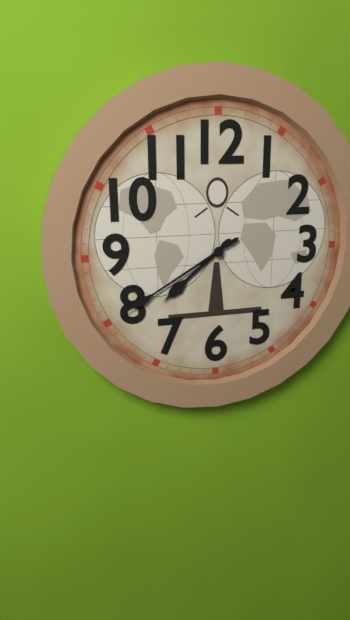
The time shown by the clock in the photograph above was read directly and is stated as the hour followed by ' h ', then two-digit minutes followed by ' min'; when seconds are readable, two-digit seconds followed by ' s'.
7 h 40 min
